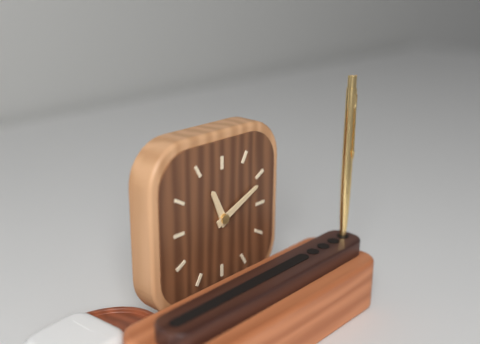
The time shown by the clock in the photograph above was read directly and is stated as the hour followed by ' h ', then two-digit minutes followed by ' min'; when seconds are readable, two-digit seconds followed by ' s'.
11 h 11 min
